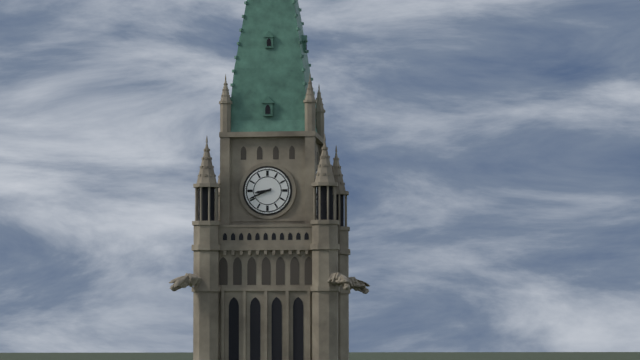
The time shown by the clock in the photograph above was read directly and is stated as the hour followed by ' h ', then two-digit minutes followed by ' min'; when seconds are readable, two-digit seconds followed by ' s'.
8 h 41 min
